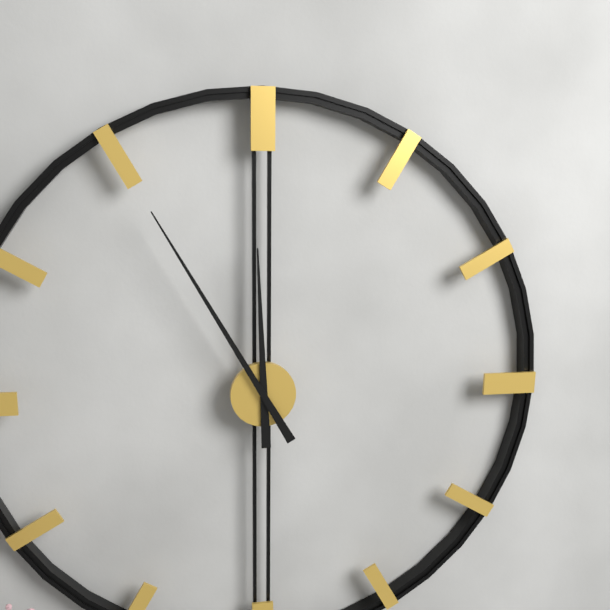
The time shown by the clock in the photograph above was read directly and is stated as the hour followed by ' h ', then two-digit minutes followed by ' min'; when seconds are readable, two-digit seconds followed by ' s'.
11 h 55 min
